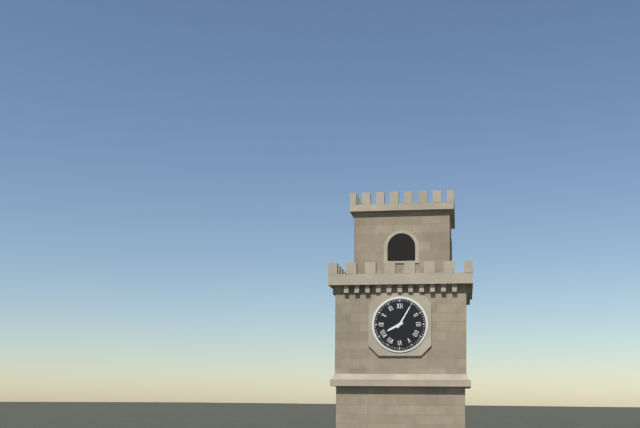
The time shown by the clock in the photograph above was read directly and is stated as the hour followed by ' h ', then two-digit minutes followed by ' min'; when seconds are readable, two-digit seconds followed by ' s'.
8 h 05 min
